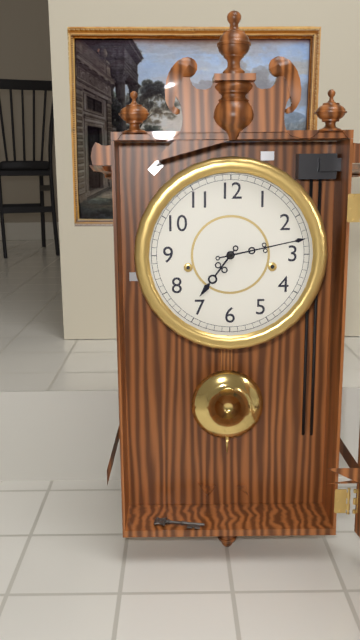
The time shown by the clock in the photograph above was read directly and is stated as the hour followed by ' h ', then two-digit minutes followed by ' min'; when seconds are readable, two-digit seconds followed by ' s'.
7 h 13 min
